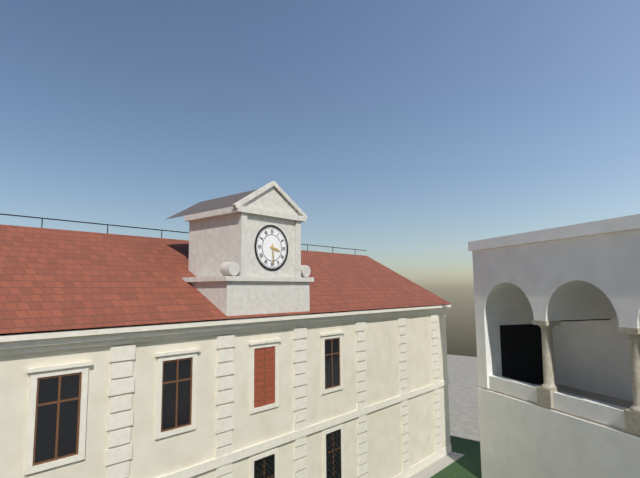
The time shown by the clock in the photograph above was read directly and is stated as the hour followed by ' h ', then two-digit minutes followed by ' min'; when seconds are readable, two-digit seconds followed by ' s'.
3 h 29 min
